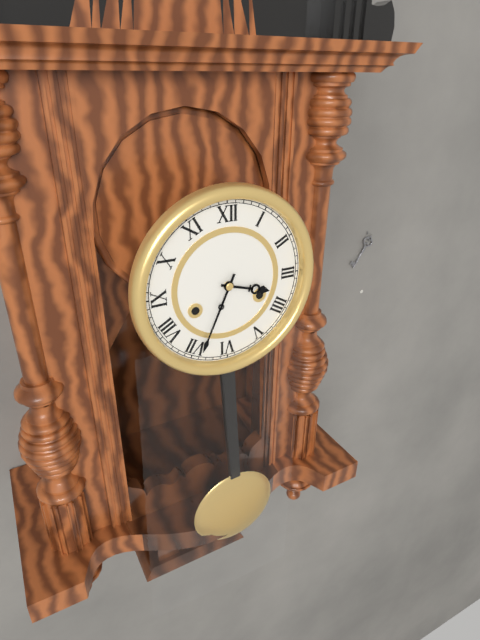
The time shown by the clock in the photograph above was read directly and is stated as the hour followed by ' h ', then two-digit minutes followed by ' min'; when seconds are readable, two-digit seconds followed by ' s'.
3 h 34 min
